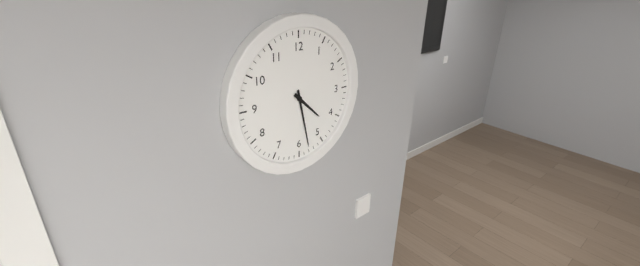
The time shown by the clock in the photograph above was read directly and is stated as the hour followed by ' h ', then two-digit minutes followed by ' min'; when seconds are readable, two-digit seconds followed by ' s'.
4 h 28 min
